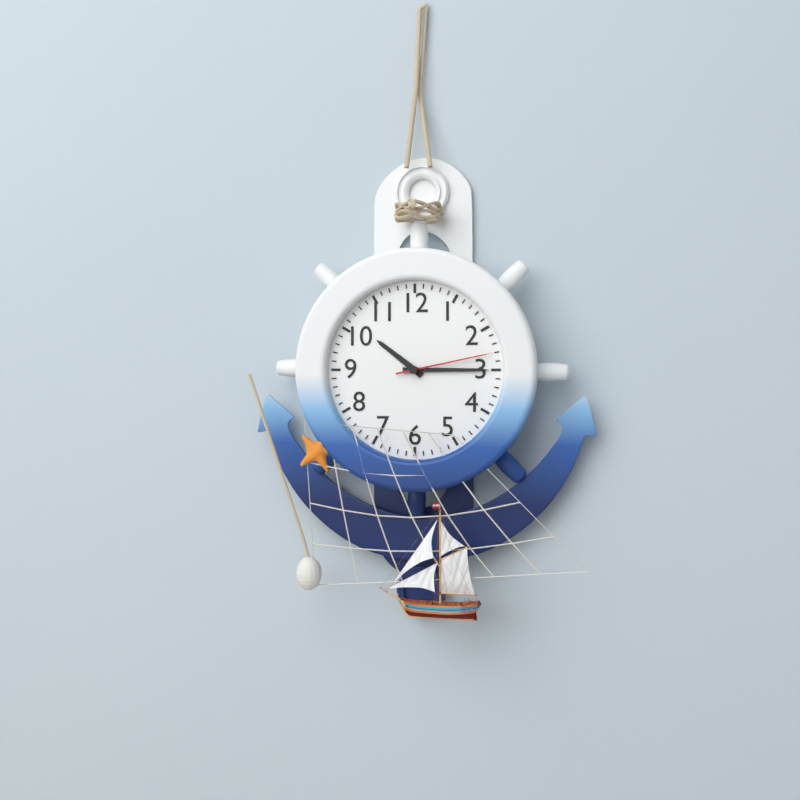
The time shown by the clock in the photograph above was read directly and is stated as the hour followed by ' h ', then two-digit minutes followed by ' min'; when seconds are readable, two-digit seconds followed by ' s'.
10 h 15 min 13 s
